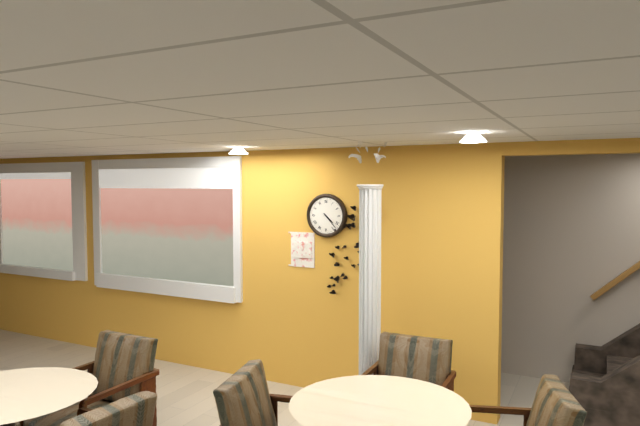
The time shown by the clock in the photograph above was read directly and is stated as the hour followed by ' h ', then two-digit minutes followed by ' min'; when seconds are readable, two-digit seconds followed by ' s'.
4 h 23 min
